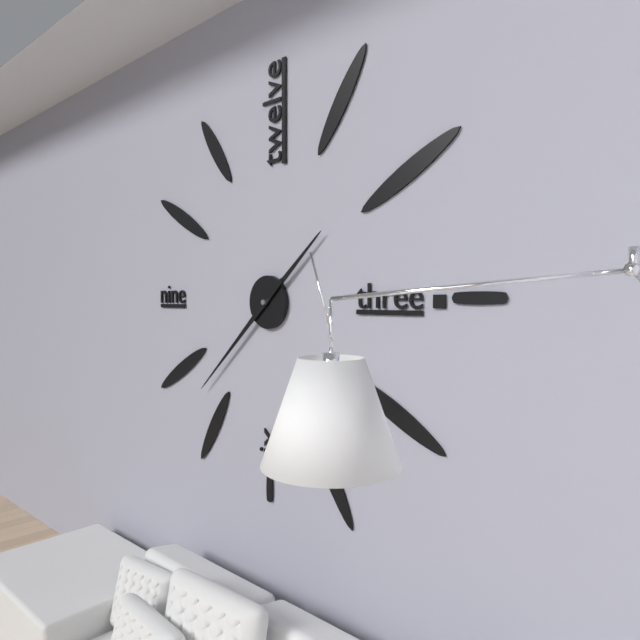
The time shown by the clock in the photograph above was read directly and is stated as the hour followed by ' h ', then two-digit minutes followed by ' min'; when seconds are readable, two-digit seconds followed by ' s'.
1 h 38 min
